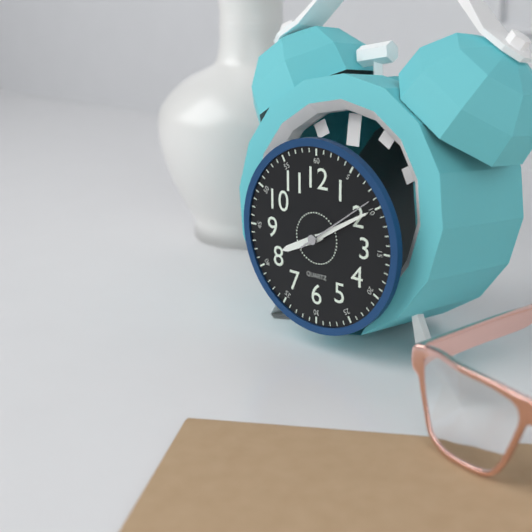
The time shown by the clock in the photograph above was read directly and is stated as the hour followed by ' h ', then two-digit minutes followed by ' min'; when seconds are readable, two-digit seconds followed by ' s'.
8 h 10 min 09 s
